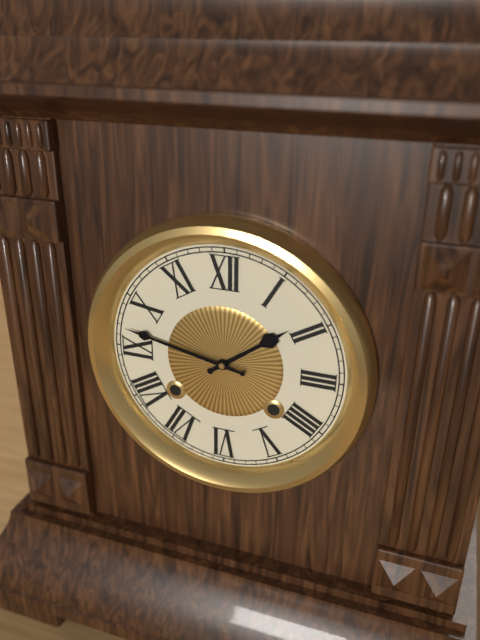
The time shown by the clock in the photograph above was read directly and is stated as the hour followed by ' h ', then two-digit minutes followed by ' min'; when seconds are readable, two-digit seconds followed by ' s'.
1 h 47 min
